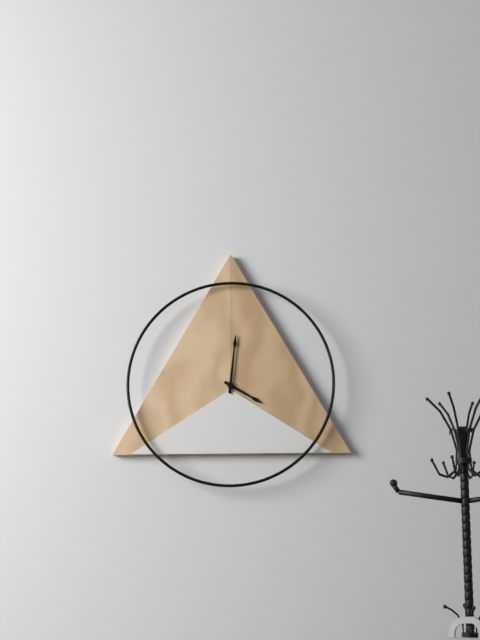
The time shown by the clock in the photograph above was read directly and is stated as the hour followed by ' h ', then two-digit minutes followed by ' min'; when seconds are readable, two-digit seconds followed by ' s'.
4 h 01 min
